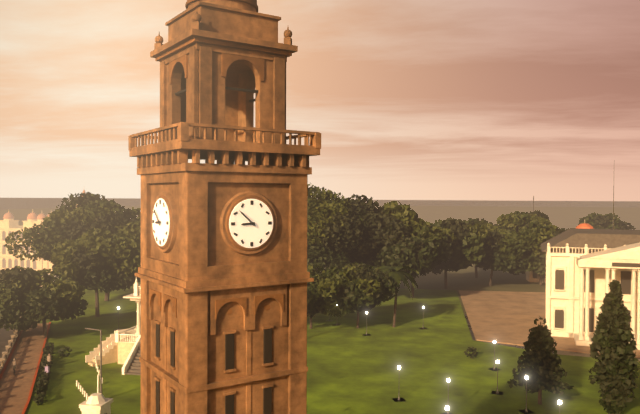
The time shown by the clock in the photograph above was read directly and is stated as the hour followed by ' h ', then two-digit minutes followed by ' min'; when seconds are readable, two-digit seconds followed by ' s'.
8 h 52 min
